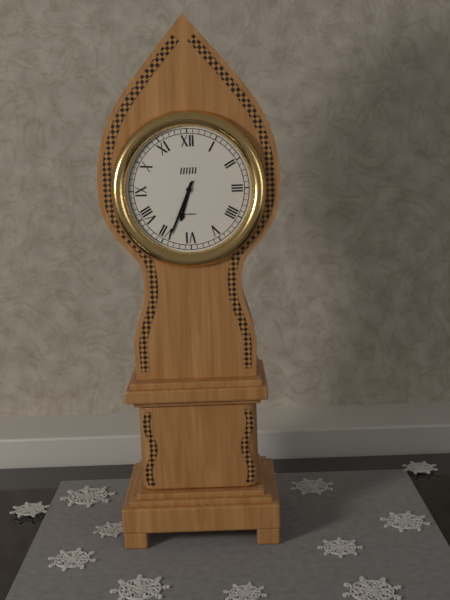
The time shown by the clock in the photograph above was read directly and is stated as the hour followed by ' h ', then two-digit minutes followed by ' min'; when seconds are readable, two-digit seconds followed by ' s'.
6 h 34 min
